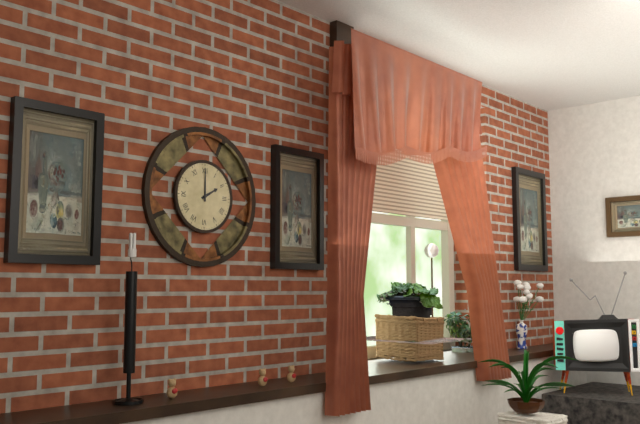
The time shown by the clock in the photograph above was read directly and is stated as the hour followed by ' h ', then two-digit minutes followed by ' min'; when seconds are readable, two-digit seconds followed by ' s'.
2 h 00 min
